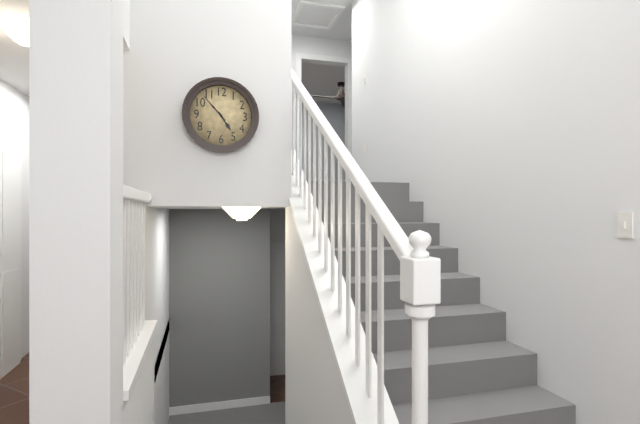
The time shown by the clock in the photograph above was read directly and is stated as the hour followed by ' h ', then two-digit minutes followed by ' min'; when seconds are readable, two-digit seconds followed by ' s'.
4 h 53 min
